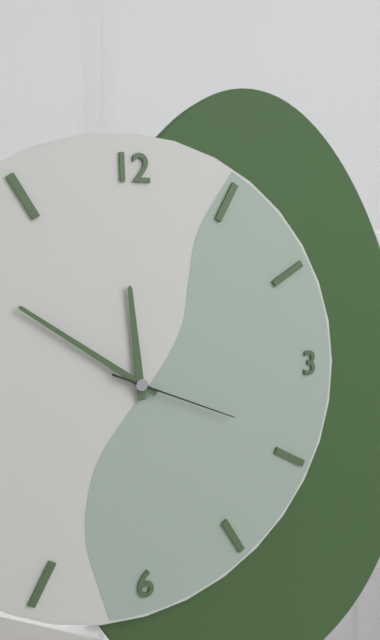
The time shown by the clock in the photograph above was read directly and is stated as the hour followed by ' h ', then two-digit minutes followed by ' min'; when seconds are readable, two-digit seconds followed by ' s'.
11 h 51 min 19 s
